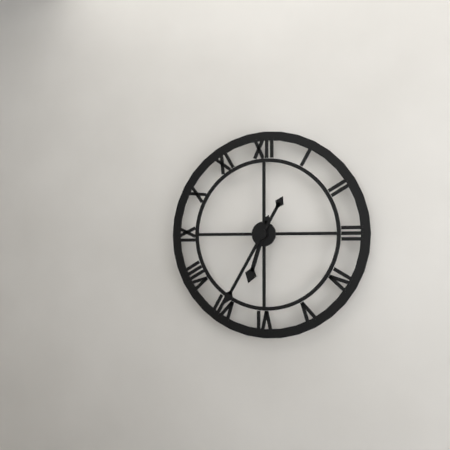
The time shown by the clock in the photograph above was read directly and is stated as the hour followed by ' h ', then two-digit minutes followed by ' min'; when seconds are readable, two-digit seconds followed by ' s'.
6 h 35 min
